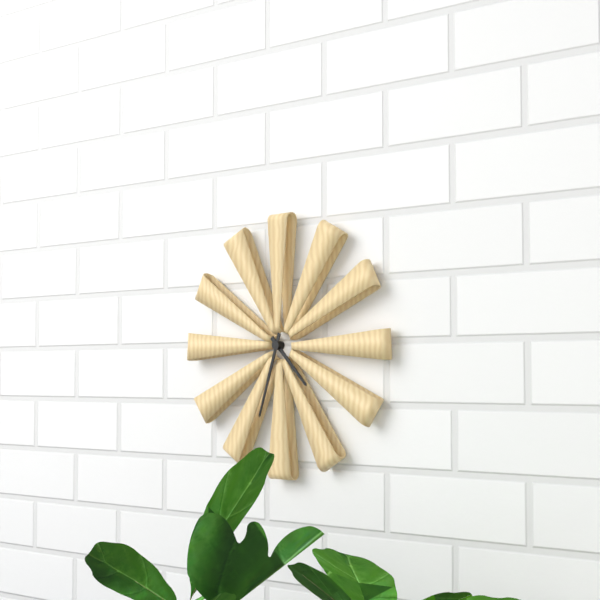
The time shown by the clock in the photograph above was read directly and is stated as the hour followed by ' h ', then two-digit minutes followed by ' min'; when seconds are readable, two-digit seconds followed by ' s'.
4 h 33 min
